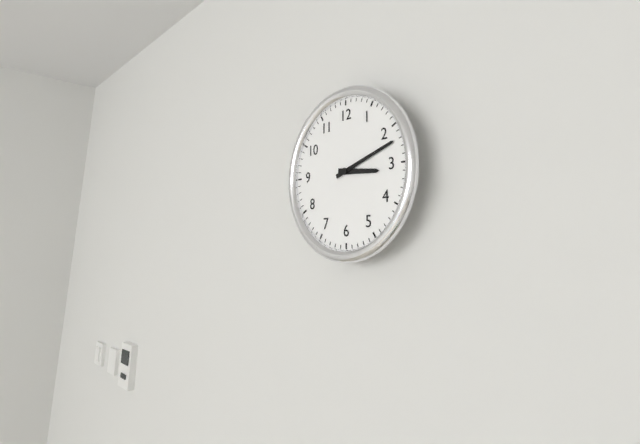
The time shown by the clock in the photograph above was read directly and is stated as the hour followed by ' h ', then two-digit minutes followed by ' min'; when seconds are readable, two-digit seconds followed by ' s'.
3 h 12 min
